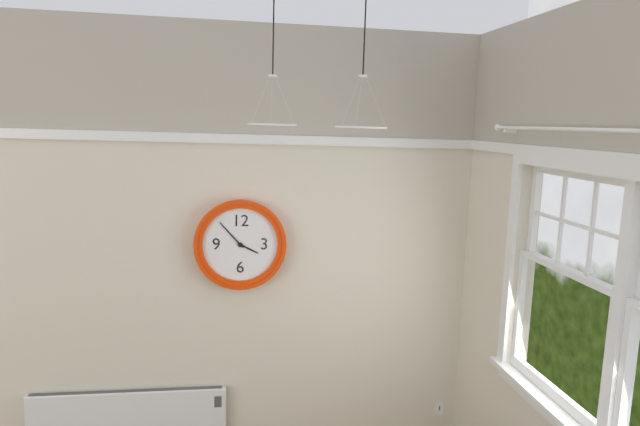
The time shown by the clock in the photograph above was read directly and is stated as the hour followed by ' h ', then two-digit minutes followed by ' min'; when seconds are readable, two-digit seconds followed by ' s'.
3 h 53 min
